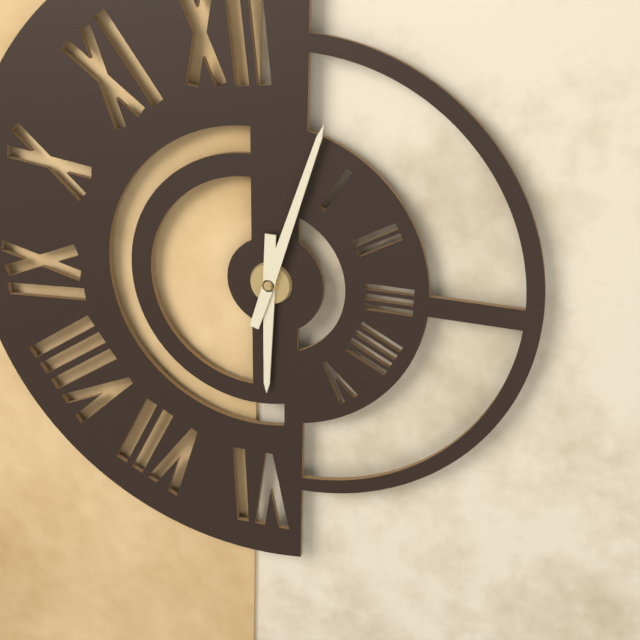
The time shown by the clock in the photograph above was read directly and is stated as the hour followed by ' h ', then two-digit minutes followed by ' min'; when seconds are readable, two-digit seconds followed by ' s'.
6 h 03 min
